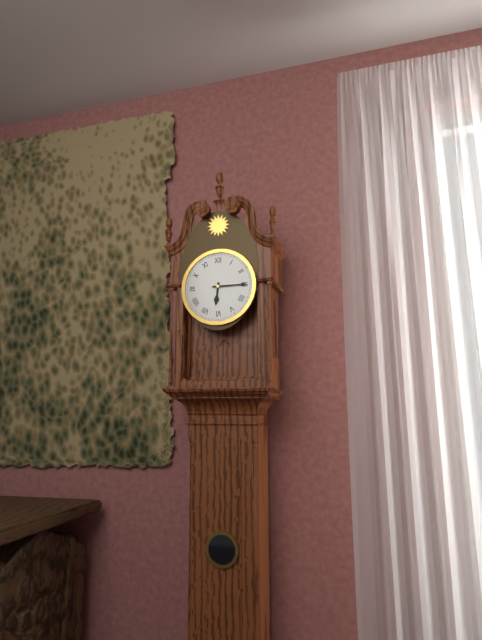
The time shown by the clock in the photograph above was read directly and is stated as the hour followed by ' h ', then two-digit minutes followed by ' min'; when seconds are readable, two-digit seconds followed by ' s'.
6 h 15 min
